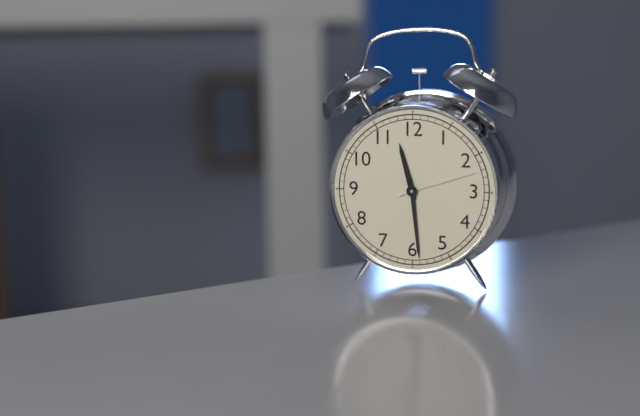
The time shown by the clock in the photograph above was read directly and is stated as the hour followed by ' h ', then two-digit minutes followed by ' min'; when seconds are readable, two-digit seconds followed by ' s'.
11 h 29 min 12 s
